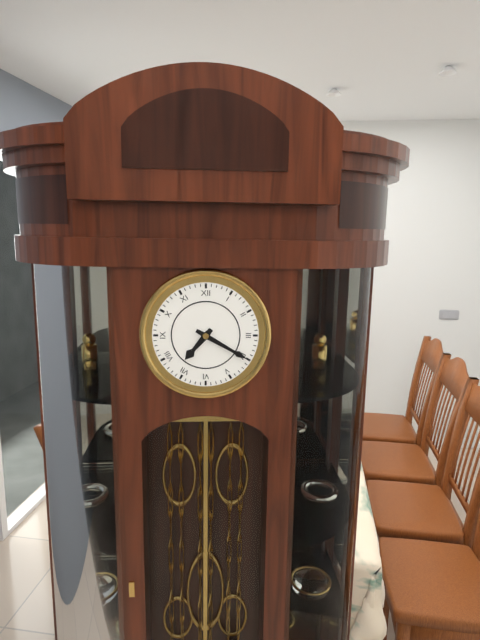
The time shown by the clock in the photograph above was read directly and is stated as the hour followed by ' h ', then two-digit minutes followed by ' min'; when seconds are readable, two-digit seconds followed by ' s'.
7 h 20 min
